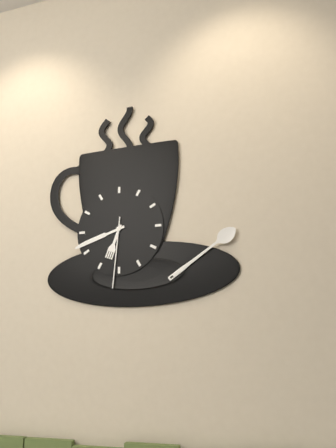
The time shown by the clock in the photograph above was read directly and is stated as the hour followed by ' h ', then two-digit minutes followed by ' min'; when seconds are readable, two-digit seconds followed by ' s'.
6 h 42 min 31 s
